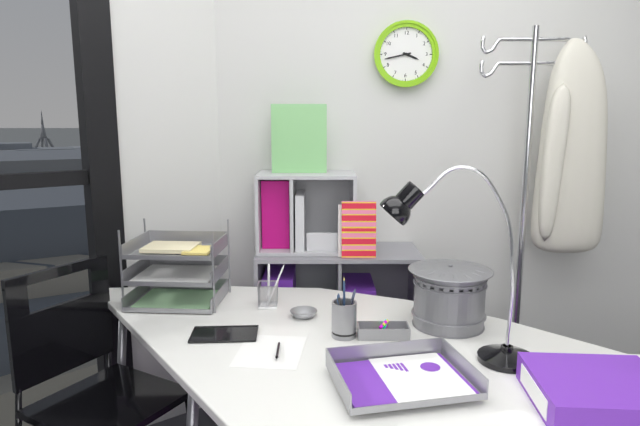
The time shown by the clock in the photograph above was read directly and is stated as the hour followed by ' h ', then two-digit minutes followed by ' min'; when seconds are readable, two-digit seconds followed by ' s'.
3 h 43 min
